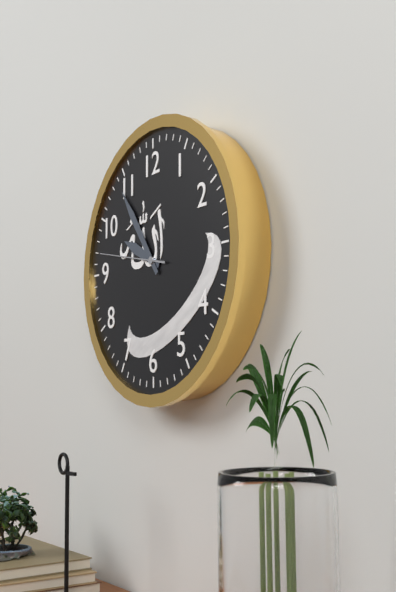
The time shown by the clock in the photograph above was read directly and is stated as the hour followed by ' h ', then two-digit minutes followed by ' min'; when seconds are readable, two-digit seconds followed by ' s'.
9 h 54 min 47 s
